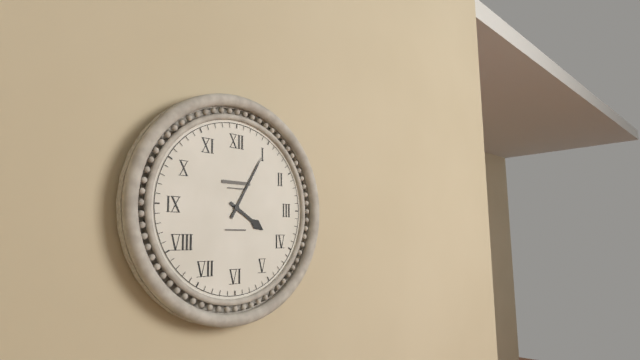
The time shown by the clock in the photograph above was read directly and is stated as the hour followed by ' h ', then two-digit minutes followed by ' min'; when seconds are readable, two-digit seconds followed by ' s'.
4 h 05 min
